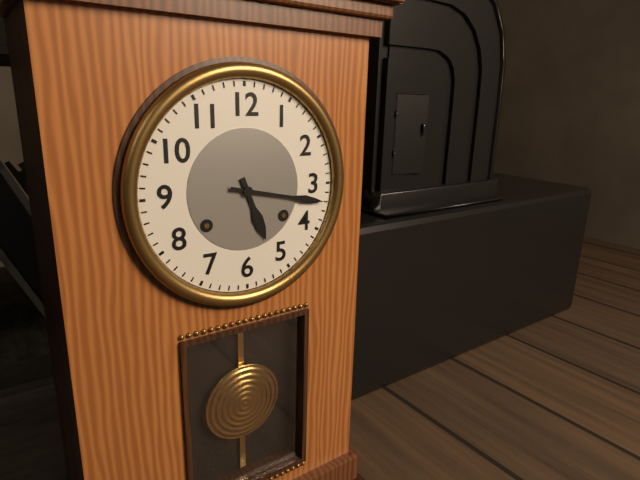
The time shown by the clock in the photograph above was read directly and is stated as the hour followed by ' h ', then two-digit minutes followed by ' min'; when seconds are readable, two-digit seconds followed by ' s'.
5 h 17 min
